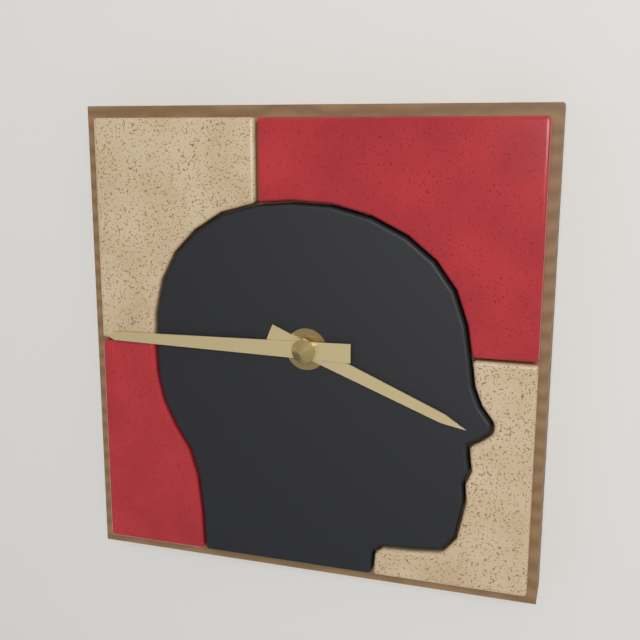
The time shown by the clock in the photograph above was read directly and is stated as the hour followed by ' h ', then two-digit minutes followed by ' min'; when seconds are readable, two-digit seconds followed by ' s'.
3 h 45 min
